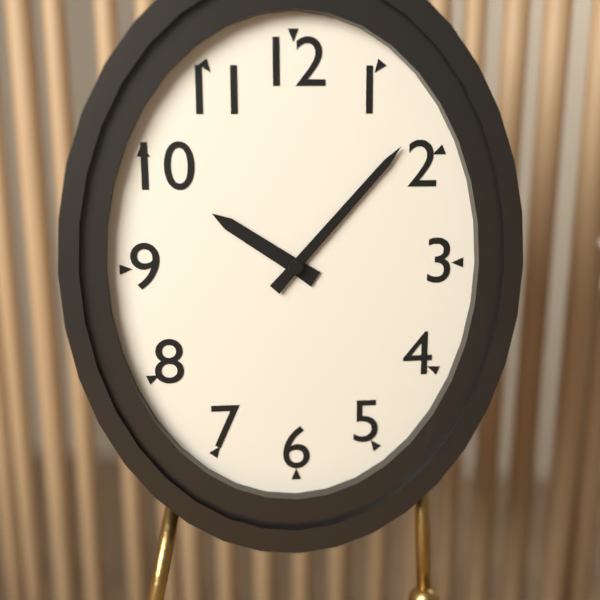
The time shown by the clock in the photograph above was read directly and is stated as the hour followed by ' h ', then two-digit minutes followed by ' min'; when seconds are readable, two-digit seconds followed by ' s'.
10 h 07 min
